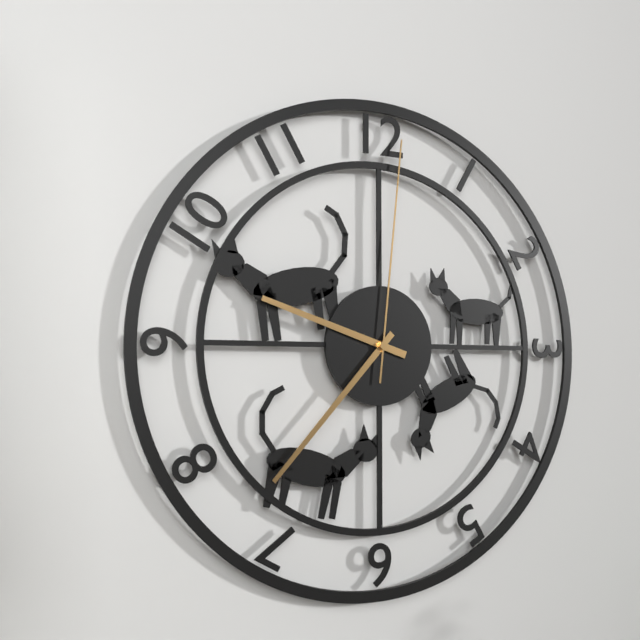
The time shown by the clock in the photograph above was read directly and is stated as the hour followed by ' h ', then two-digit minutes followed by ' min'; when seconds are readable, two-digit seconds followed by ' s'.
9 h 37 min 01 s
